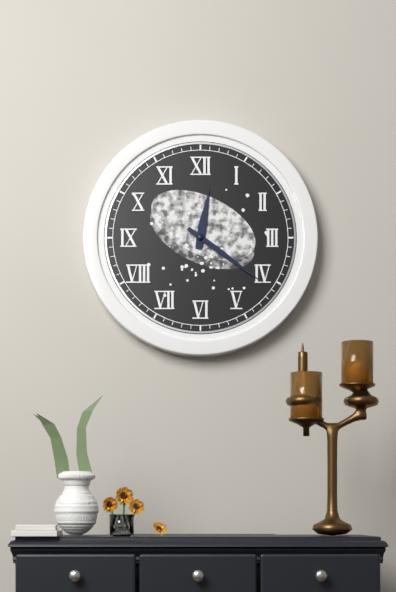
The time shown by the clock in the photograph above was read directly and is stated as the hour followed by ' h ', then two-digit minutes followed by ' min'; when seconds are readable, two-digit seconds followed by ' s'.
12 h 21 min
